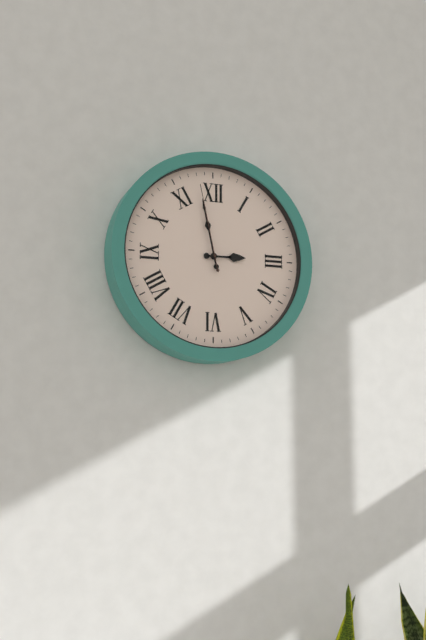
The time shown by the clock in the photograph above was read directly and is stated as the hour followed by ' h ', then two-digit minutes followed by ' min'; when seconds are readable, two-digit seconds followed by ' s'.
2 h 58 min 58 s
